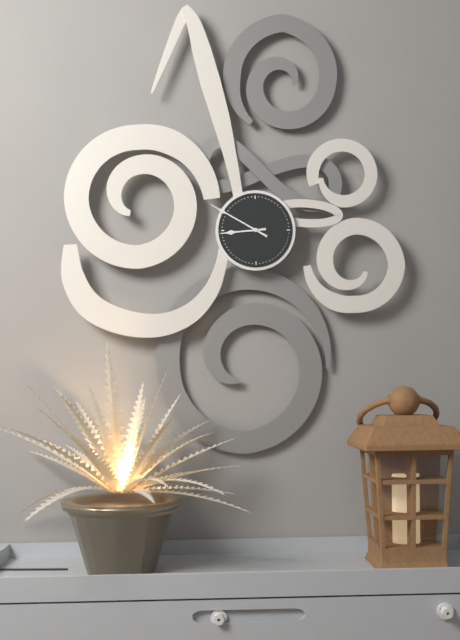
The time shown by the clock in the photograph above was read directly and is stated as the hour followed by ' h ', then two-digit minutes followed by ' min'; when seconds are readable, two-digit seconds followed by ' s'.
8 h 50 min
